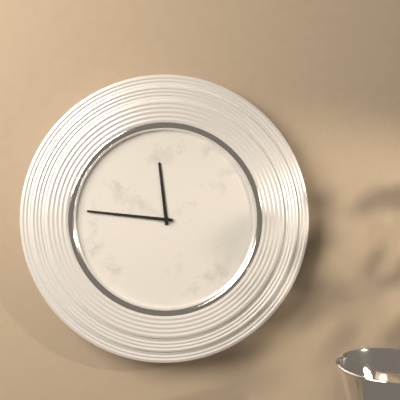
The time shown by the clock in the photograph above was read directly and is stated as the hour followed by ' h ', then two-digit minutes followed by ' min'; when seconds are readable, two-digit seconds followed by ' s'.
11 h 46 min
